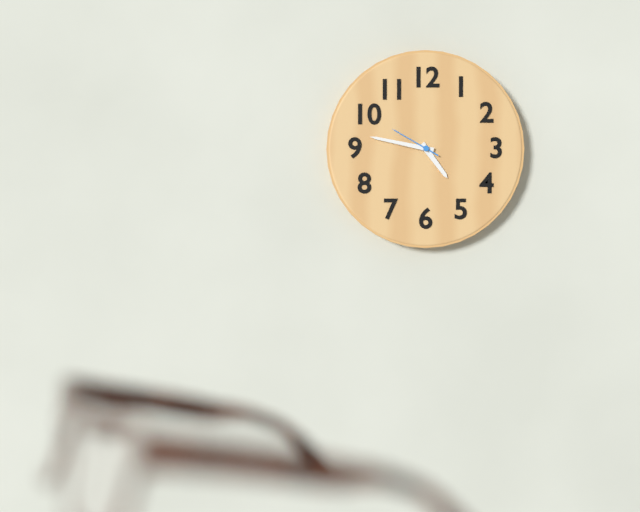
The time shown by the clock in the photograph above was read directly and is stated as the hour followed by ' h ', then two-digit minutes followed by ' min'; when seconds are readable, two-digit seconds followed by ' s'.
4 h 47 min
